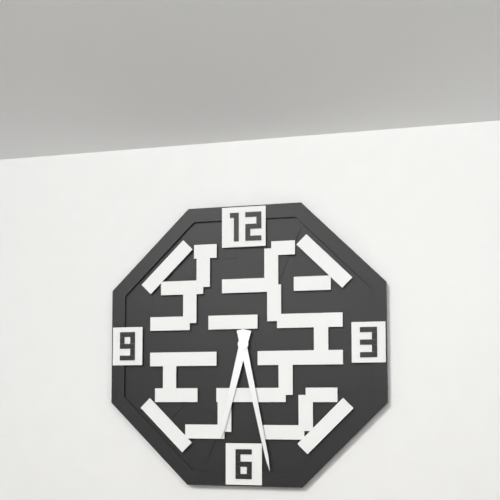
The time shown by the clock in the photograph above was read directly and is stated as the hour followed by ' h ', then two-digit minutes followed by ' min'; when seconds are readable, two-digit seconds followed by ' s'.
6 h 28 min
